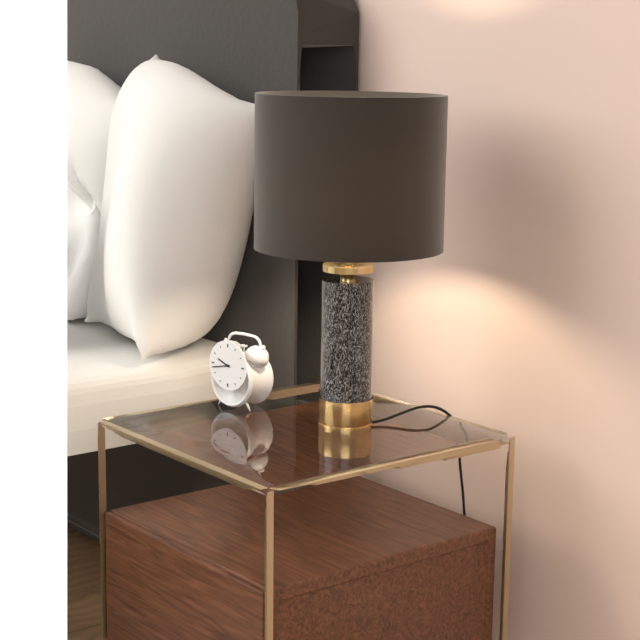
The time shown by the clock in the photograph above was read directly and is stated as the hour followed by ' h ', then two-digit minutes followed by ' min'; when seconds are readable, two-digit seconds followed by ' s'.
9 h 43 min
